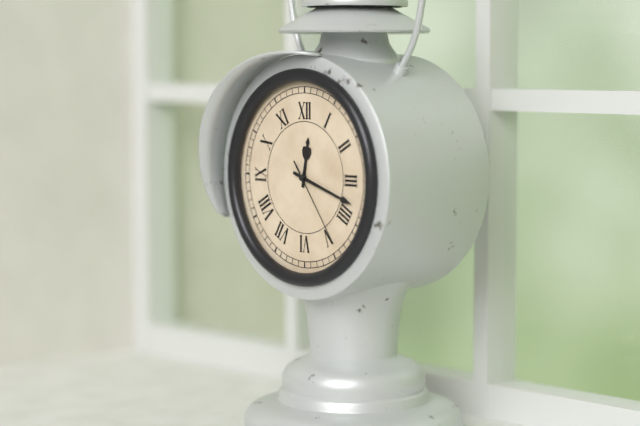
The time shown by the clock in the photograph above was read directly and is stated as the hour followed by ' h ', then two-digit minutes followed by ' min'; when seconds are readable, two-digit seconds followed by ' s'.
12 h 18 min 24 s
